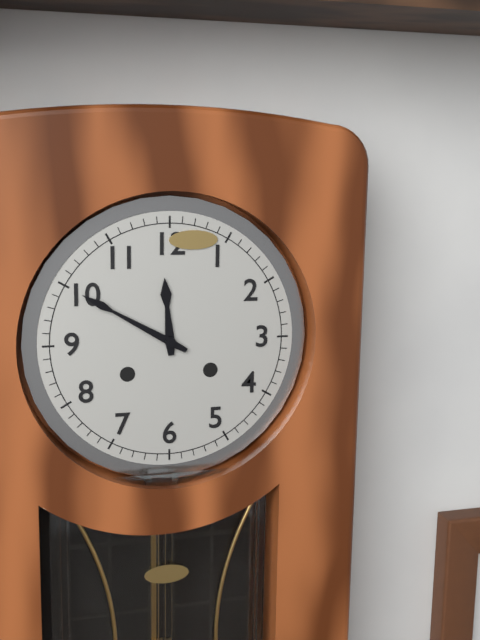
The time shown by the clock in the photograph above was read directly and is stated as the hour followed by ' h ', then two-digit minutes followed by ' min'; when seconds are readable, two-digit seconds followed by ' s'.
11 h 50 min
